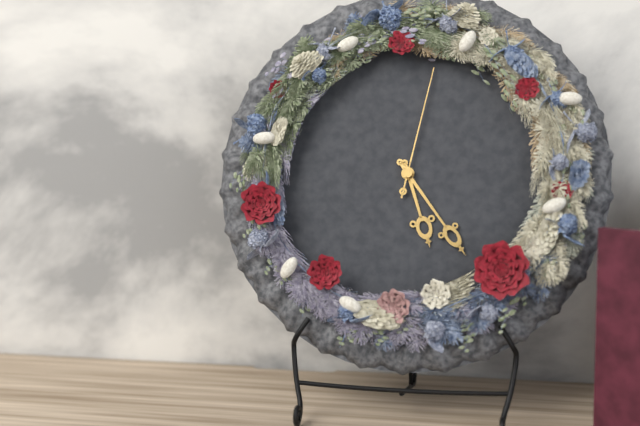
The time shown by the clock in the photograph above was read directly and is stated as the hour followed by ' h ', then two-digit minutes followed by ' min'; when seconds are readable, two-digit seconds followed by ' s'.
5 h 24 min 02 s
